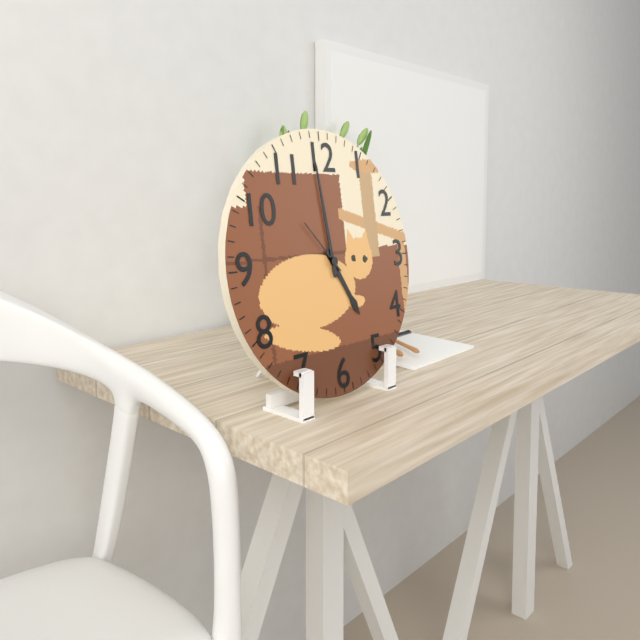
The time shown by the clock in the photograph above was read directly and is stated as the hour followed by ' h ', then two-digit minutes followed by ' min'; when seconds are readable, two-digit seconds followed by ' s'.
4 h 59 min 53 s
